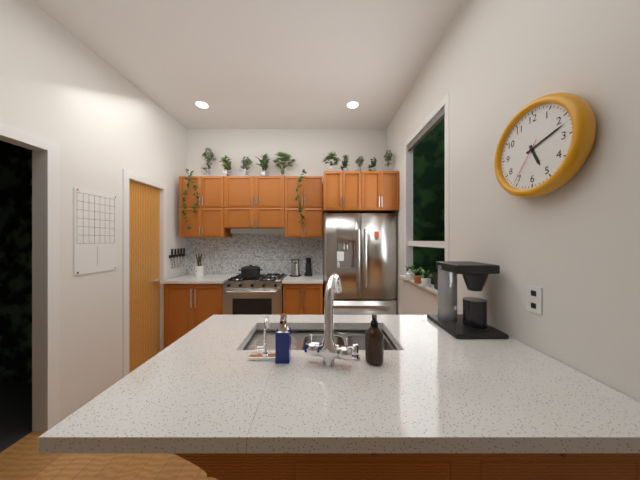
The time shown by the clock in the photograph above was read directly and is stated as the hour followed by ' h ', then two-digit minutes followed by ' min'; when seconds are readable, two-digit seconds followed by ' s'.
5 h 12 min
